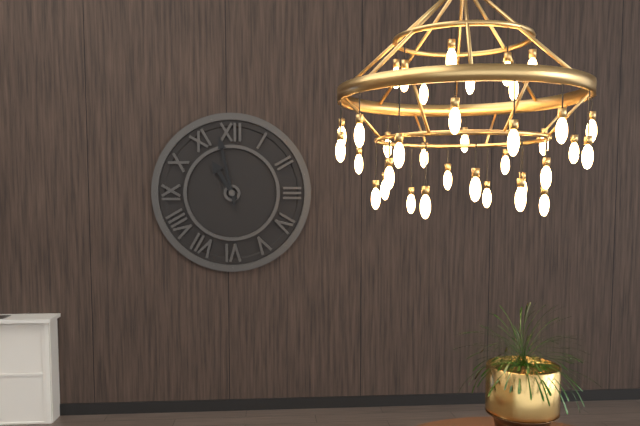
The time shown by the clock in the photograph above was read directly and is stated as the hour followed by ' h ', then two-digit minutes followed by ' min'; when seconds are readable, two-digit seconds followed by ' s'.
10 h 58 min
